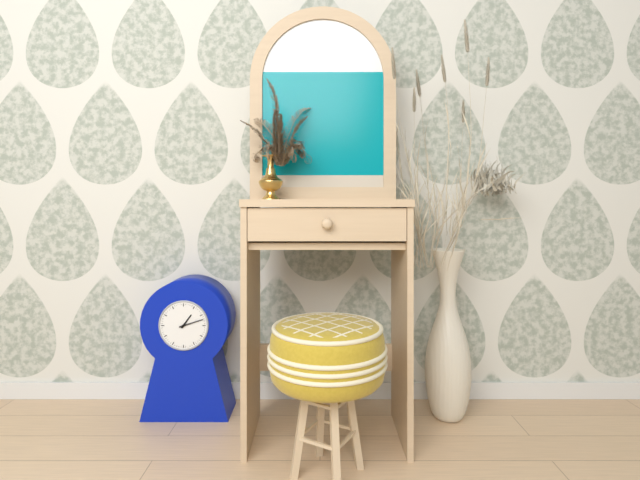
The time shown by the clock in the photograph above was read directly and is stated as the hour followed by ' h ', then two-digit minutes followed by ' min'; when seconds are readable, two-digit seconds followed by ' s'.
1 h 12 min
